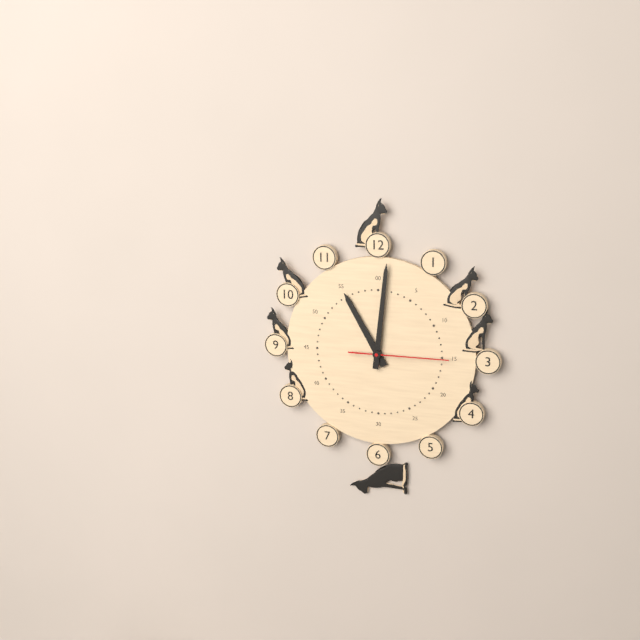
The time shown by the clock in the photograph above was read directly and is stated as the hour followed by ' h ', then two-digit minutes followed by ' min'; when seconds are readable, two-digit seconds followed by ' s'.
11 h 01 min 15 s
